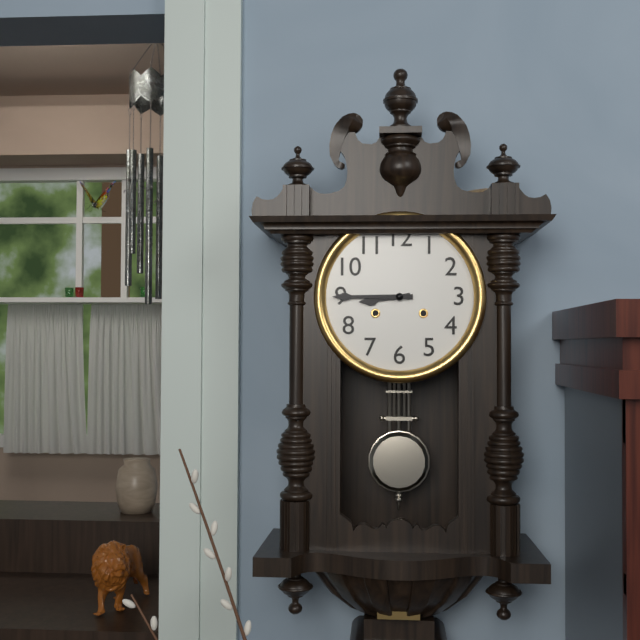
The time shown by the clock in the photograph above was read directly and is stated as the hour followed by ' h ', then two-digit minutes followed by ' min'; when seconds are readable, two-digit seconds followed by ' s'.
8 h 45 min
